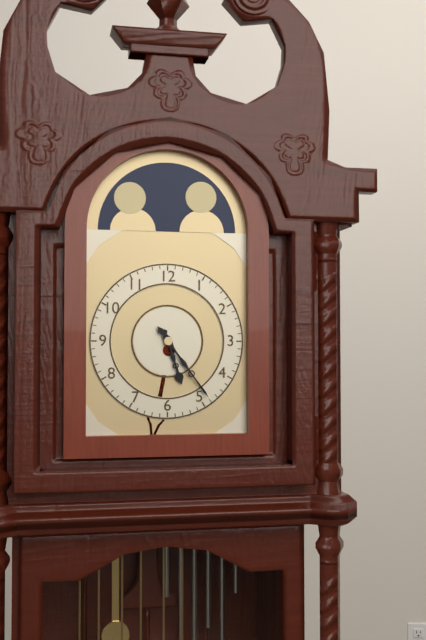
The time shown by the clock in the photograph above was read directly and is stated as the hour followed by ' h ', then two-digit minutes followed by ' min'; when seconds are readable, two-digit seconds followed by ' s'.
5 h 24 min
